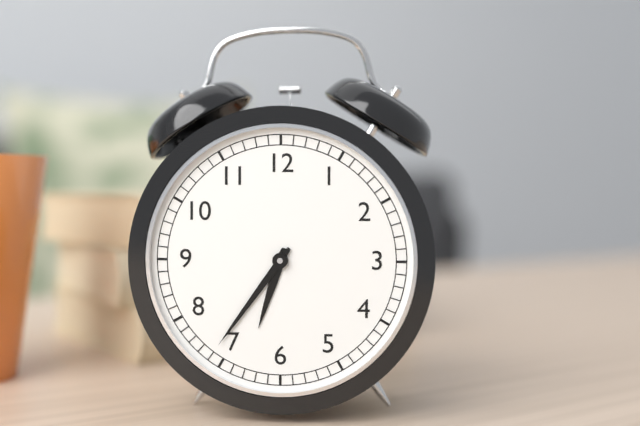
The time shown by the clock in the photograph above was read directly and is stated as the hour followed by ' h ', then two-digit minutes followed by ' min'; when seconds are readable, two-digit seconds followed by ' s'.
6 h 36 min
